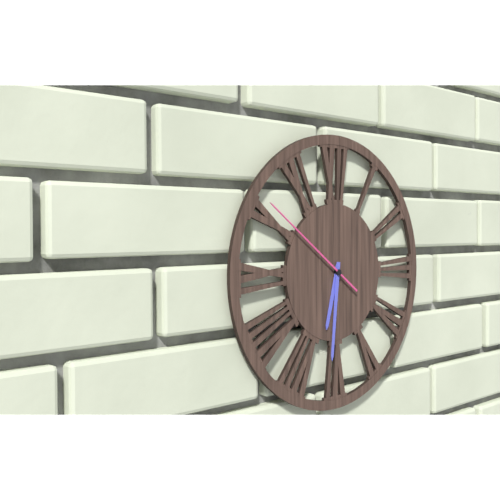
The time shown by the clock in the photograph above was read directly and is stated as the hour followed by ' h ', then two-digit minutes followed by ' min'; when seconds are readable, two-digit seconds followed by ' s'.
6 h 31 min 51 s
